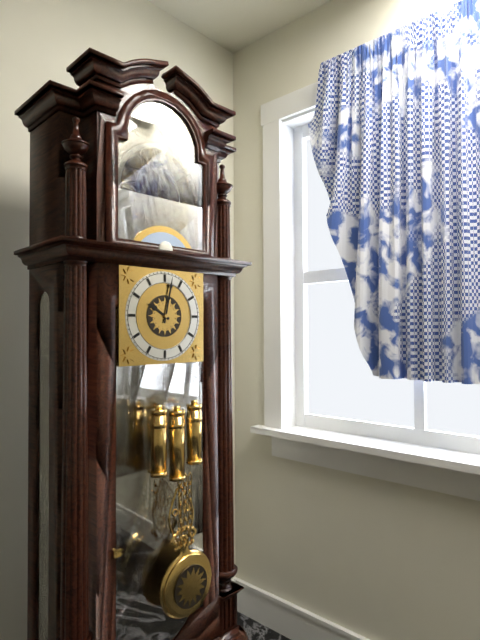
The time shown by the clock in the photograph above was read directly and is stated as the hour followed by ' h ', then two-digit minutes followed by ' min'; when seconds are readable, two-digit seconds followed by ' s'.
10 h 02 min
